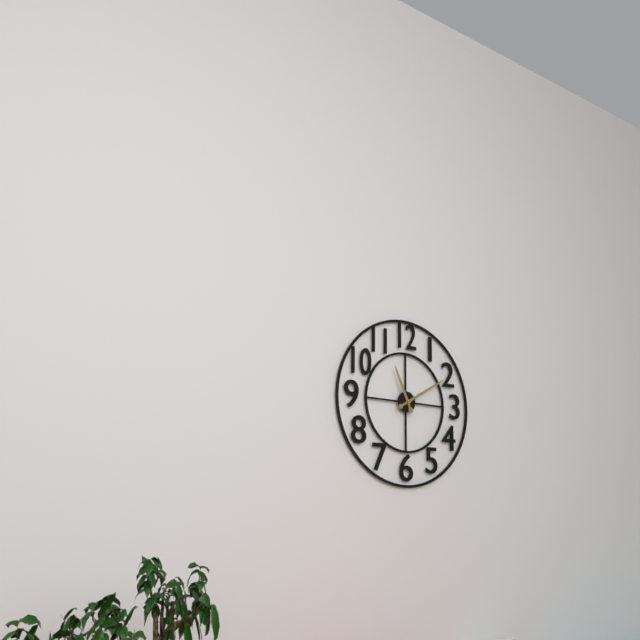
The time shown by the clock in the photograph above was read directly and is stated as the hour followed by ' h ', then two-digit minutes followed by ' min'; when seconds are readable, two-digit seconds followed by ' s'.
11 h 10 min
